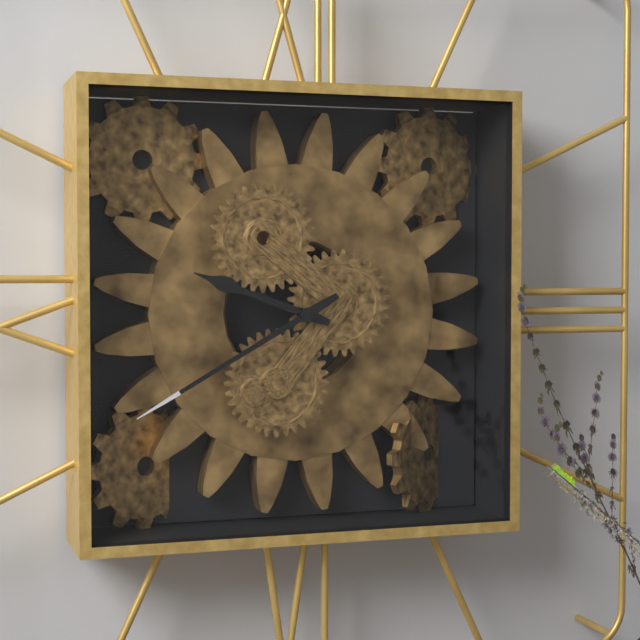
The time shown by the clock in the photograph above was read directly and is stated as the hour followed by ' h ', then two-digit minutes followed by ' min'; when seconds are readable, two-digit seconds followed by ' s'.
9 h 40 min
